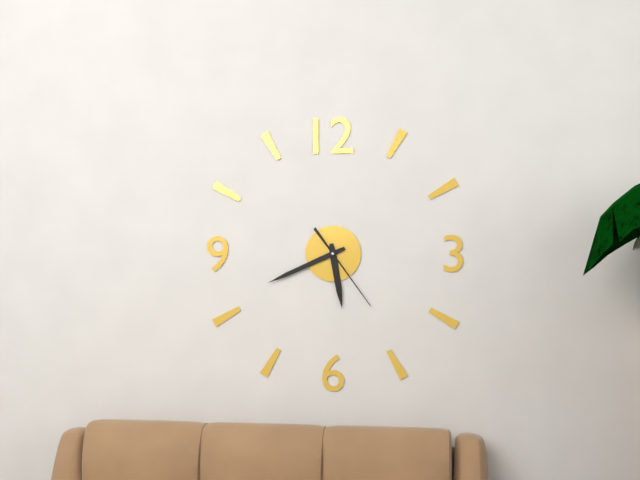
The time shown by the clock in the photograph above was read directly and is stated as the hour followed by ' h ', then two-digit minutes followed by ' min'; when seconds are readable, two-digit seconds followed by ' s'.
5 h 41 min 24 s
